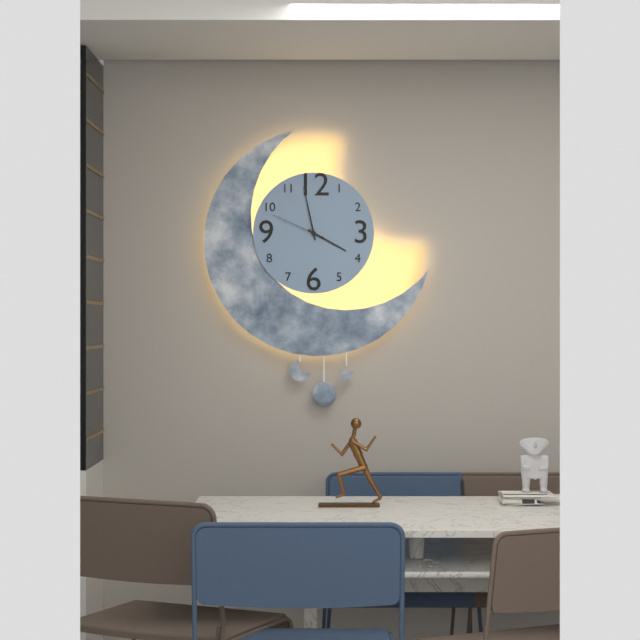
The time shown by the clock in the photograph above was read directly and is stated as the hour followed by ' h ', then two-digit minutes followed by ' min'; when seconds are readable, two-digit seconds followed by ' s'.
3 h 58 min 49 s
